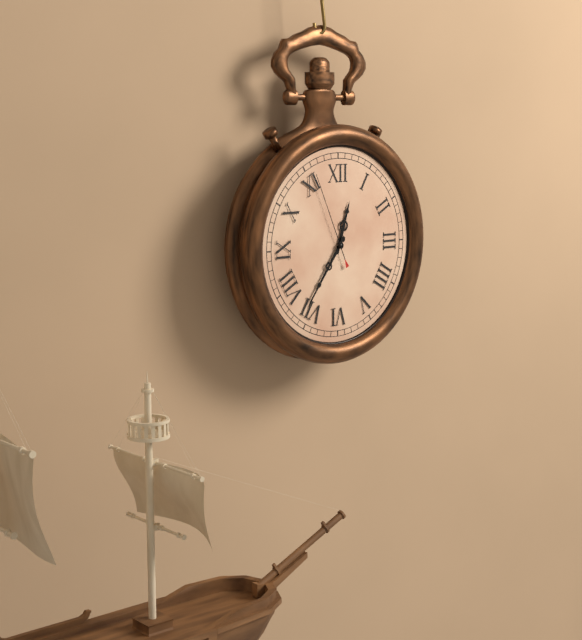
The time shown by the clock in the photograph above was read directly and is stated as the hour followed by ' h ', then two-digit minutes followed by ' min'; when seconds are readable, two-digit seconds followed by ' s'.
12 h 36 min 56 s
